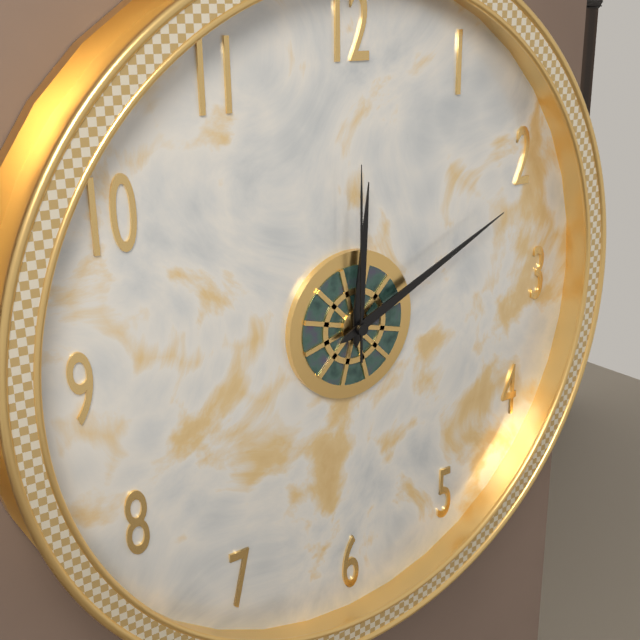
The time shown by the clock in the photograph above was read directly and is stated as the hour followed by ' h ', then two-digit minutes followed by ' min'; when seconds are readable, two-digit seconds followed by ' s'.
12 h 11 min 00 s
